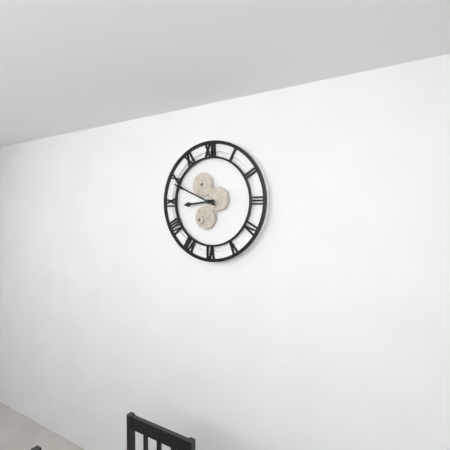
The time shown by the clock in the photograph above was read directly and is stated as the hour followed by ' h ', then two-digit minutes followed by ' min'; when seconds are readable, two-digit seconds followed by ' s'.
8 h 49 min
